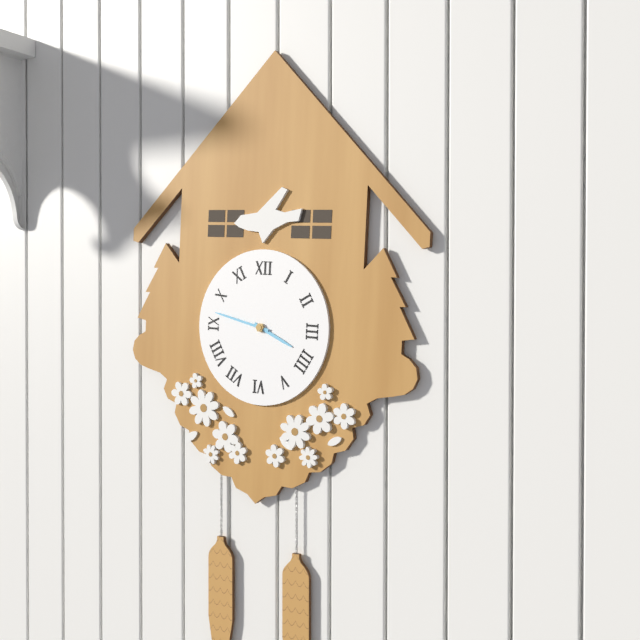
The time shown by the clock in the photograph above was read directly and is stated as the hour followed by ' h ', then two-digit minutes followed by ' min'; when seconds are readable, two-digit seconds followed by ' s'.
3 h 47 min
